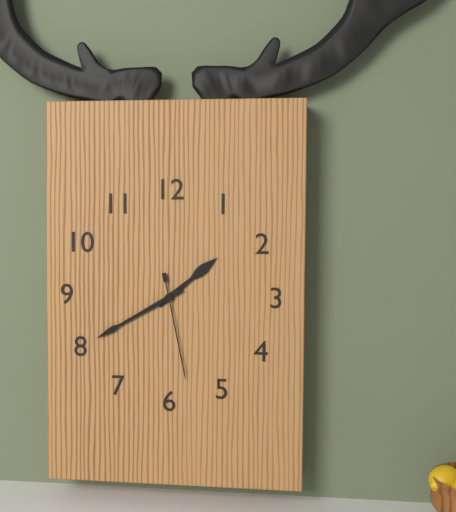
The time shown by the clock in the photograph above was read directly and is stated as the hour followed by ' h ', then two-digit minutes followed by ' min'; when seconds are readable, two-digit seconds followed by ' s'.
1 h 40 min 28 s
